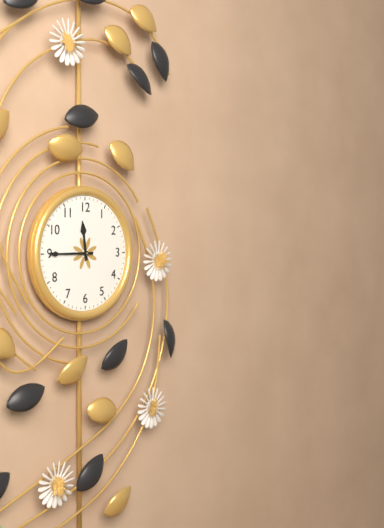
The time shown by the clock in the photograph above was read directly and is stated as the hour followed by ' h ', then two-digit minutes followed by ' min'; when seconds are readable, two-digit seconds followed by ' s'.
11 h 45 min
